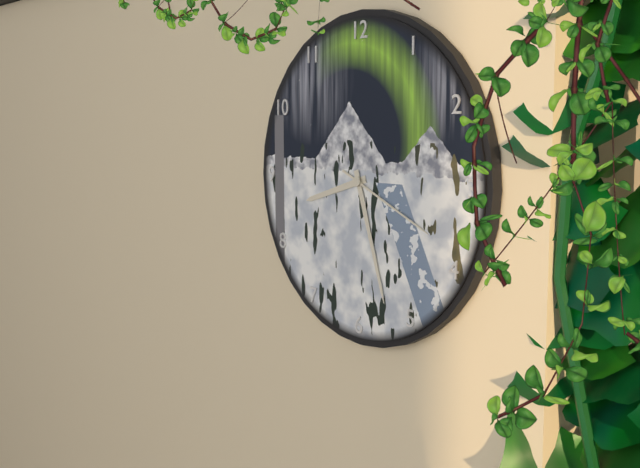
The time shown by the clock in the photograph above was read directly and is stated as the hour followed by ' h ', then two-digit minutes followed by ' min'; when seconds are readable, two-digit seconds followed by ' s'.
8 h 27 min 19 s
